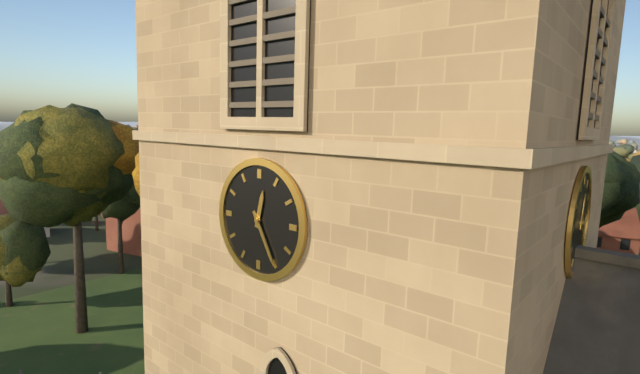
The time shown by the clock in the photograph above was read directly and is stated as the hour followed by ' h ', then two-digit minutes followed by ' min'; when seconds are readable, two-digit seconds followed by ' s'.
12 h 25 min
